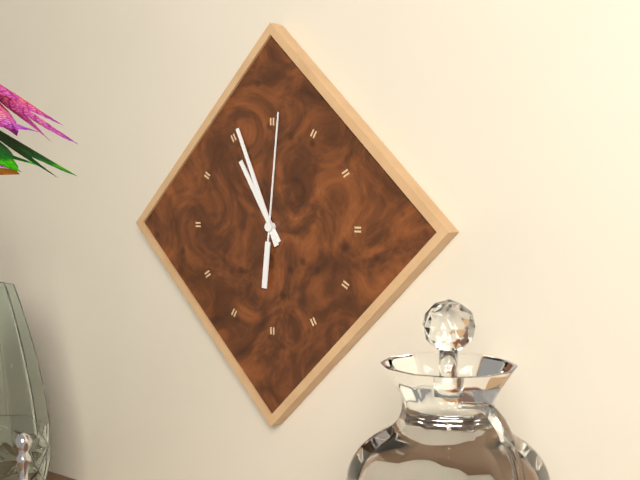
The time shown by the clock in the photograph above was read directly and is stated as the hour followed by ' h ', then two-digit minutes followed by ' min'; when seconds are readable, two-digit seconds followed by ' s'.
10 h 56 min 01 s
